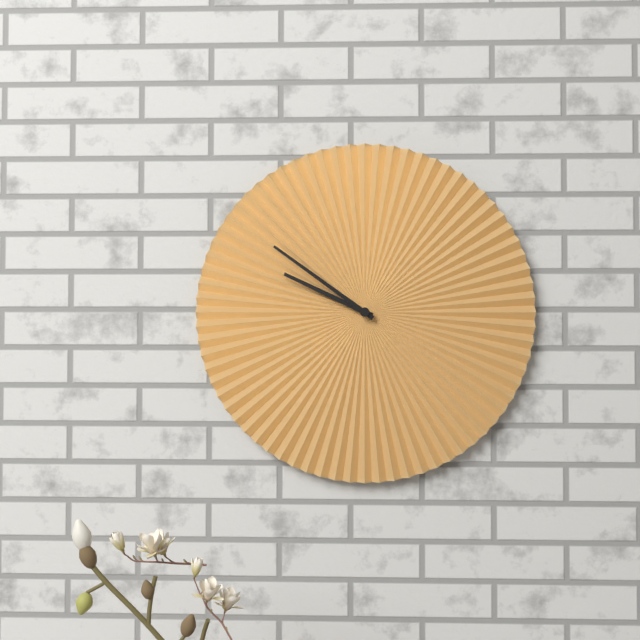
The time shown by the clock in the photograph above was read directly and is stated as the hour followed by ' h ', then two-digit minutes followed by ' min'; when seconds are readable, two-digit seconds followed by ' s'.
9 h 51 min
